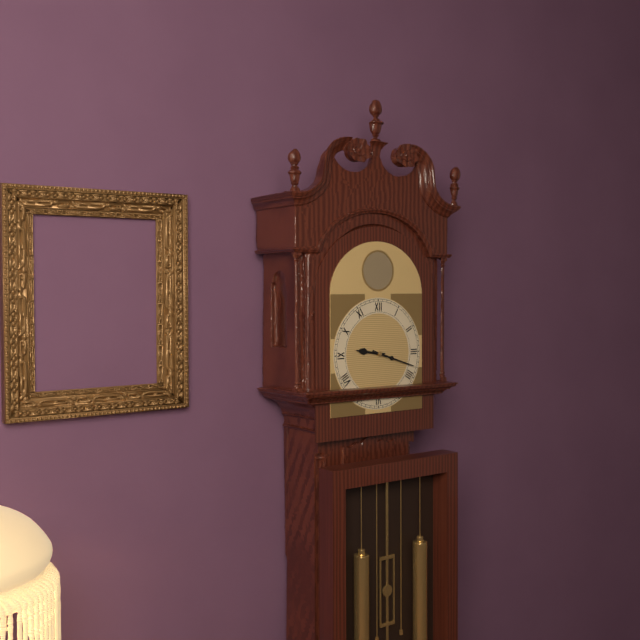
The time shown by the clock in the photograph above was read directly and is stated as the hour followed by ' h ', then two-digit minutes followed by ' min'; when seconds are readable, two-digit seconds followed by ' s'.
9 h 18 min
